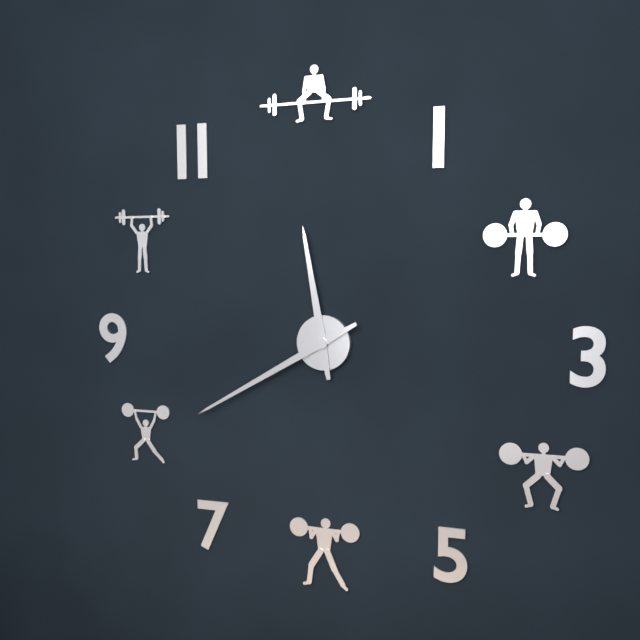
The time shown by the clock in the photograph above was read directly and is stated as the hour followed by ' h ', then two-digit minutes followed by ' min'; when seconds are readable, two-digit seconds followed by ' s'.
11 h 40 min
